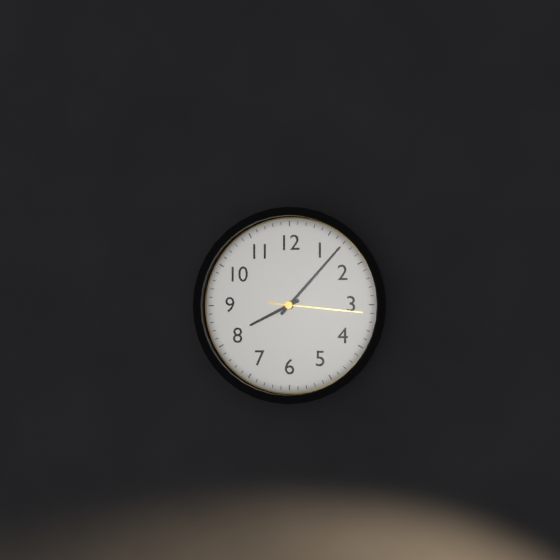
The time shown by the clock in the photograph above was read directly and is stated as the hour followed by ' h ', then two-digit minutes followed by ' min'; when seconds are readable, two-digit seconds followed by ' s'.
8 h 07 min 16 s
